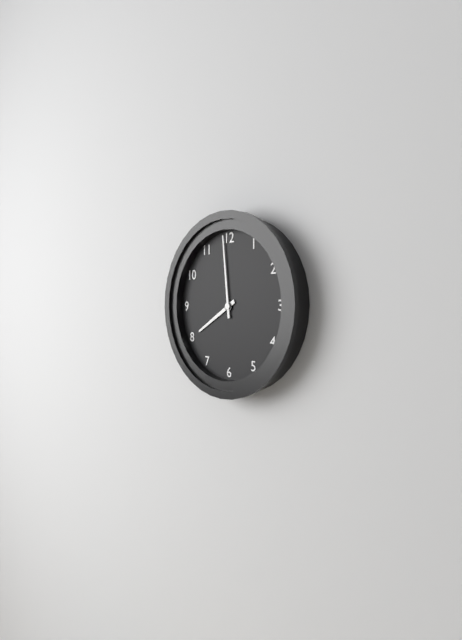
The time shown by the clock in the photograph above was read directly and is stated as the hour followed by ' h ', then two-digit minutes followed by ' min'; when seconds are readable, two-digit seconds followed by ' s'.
7 h 59 min
